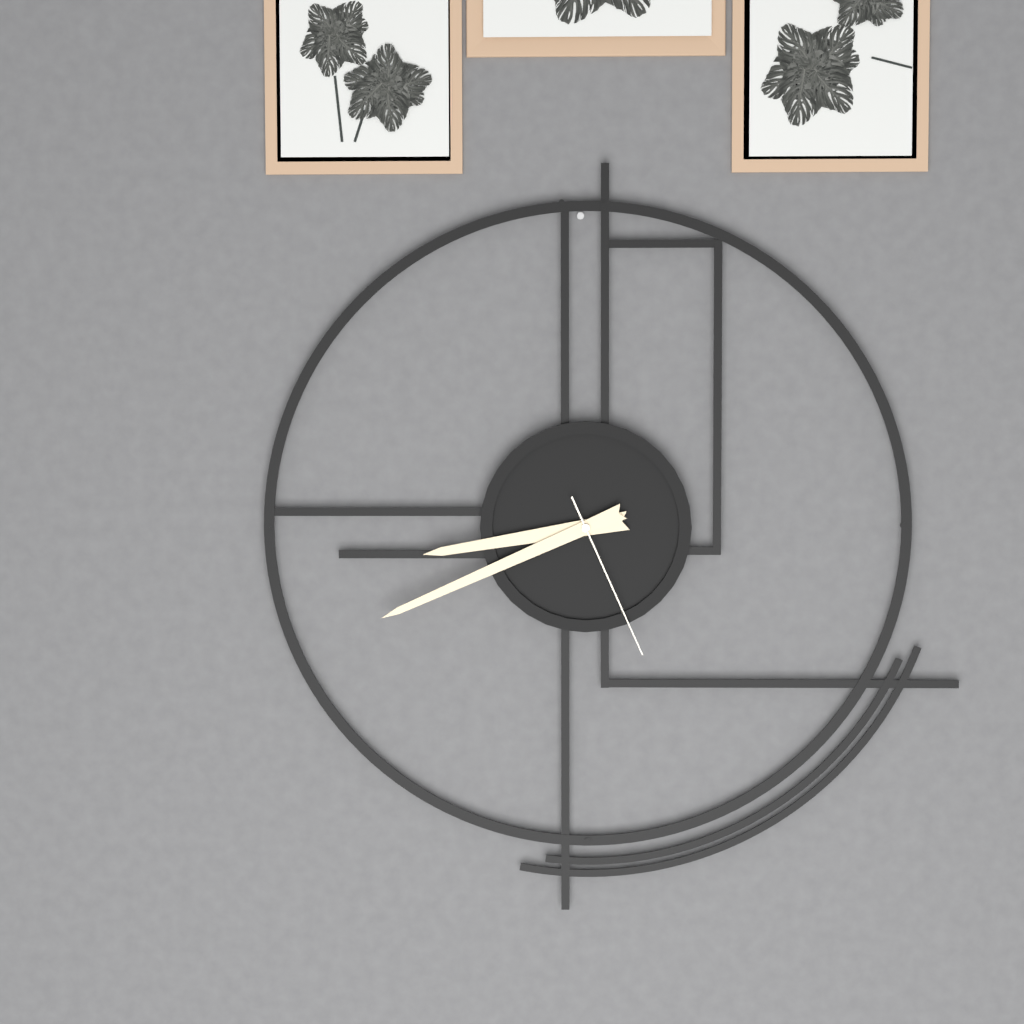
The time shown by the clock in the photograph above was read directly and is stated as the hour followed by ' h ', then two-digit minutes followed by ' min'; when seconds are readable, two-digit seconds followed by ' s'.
8 h 41 min 26 s
